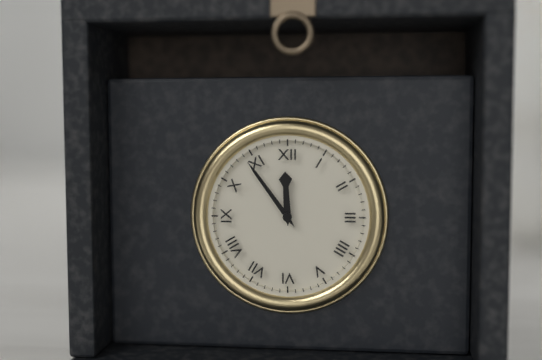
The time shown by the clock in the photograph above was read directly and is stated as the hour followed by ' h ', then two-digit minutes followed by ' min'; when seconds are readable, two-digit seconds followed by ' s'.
11 h 54 min
